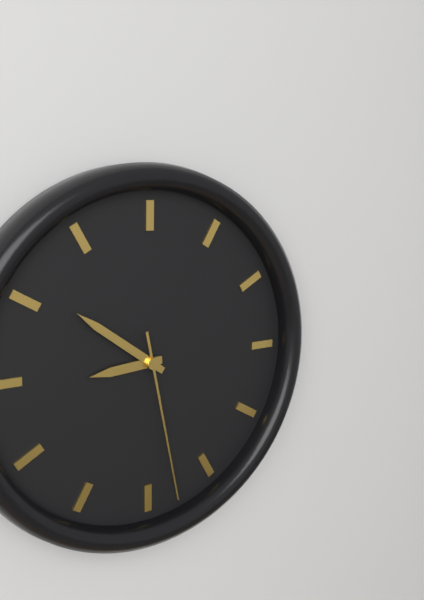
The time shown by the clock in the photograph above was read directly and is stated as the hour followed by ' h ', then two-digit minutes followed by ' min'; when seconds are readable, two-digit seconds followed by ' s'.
8 h 51 min 28 s
